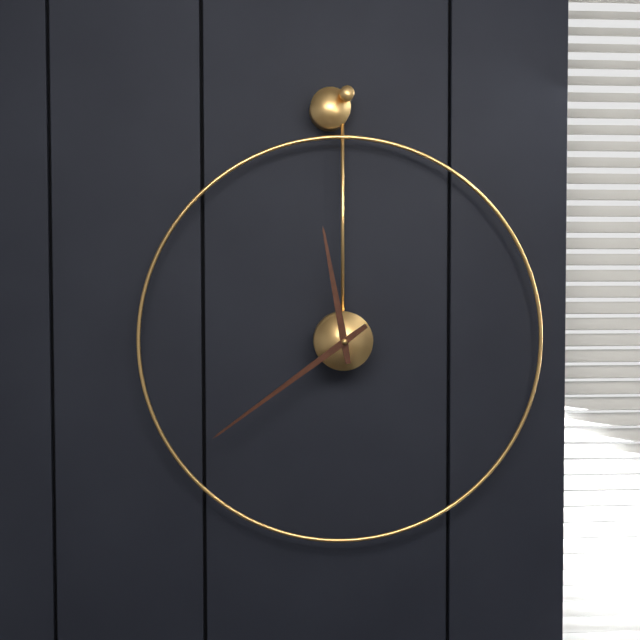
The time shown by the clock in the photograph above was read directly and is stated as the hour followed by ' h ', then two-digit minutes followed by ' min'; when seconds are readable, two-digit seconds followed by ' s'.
11 h 39 min
